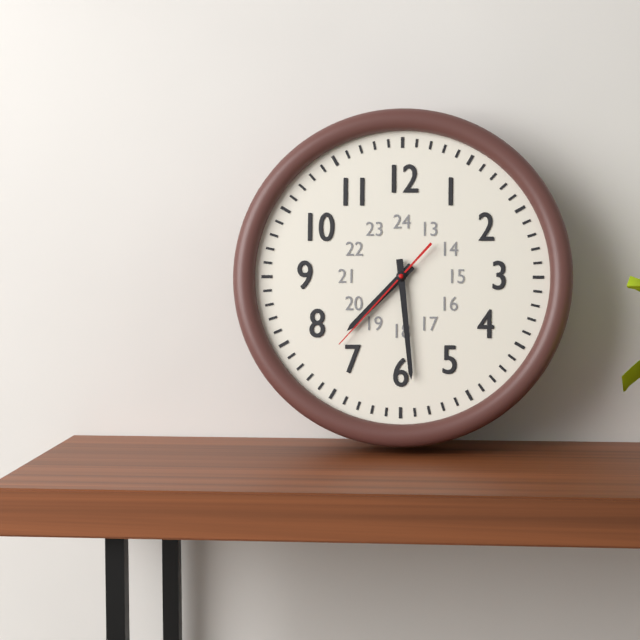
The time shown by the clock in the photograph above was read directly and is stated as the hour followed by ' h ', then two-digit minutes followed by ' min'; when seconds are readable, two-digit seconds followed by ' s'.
7 h 29 min 37 s
